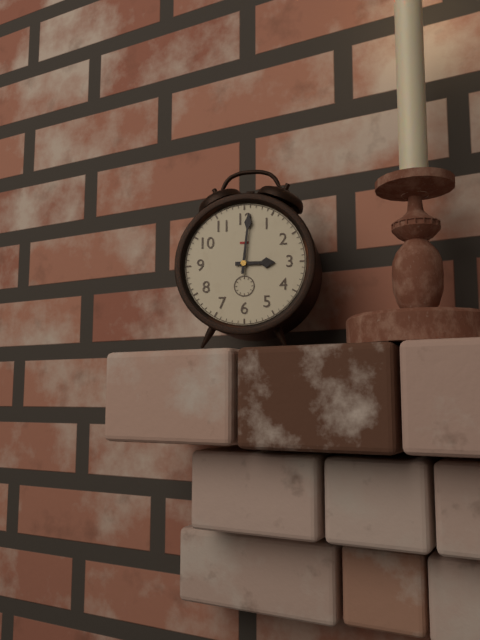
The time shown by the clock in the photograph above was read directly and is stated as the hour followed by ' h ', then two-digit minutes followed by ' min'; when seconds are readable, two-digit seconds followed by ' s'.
3 h 01 min
